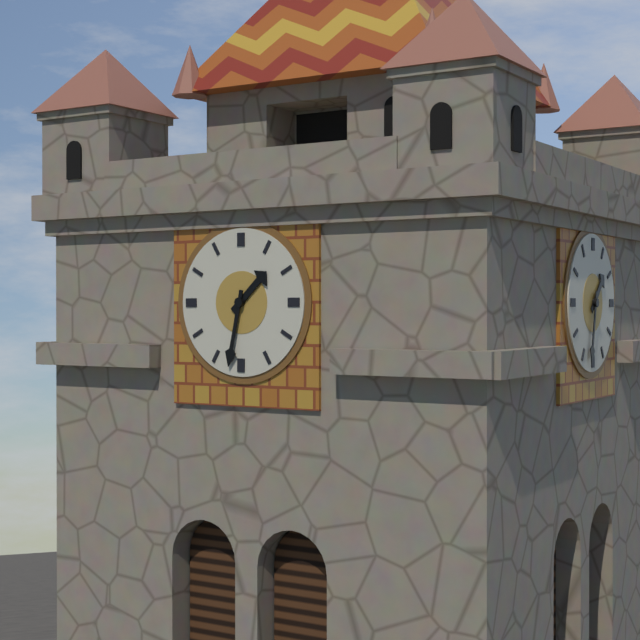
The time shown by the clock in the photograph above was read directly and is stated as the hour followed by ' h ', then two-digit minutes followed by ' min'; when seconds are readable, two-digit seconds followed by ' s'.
1 h 32 min
